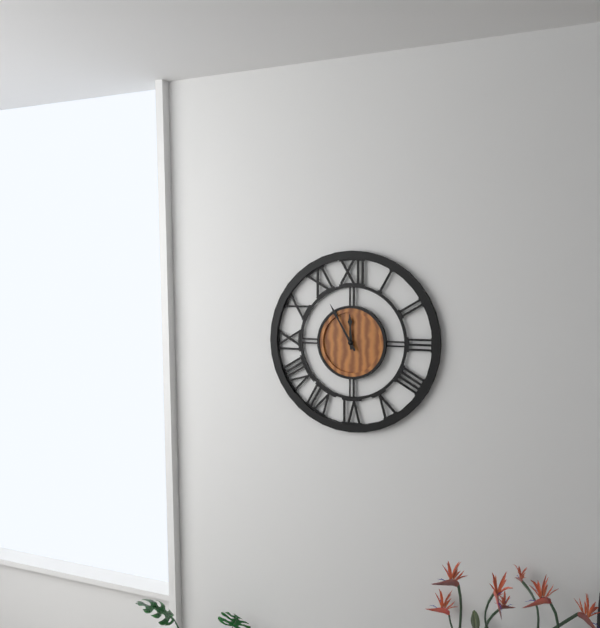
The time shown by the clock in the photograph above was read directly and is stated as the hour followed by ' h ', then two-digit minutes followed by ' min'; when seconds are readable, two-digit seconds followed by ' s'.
11 h 55 min
